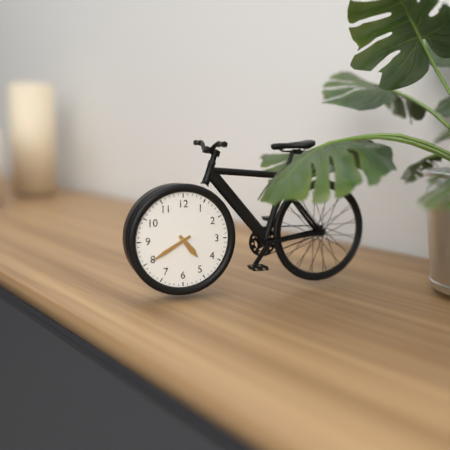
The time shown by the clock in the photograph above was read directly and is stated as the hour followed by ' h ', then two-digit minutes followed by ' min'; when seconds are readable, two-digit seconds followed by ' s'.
4 h 40 min
